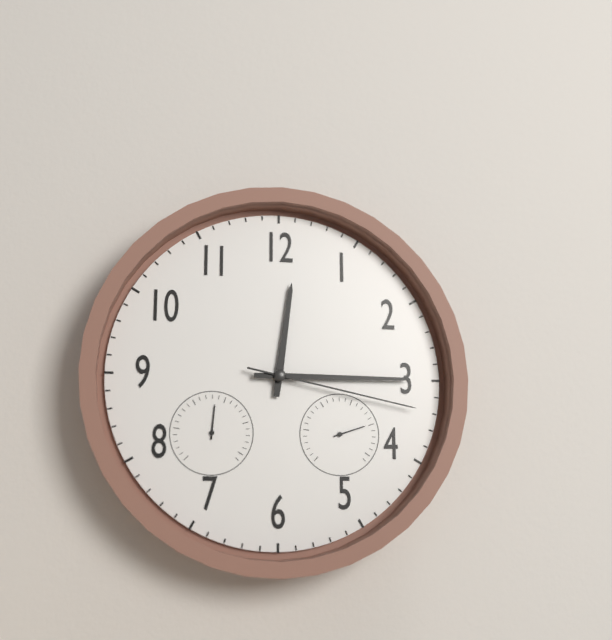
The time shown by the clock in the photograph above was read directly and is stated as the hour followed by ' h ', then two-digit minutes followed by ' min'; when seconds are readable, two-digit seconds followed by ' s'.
12 h 15 min 17 s
